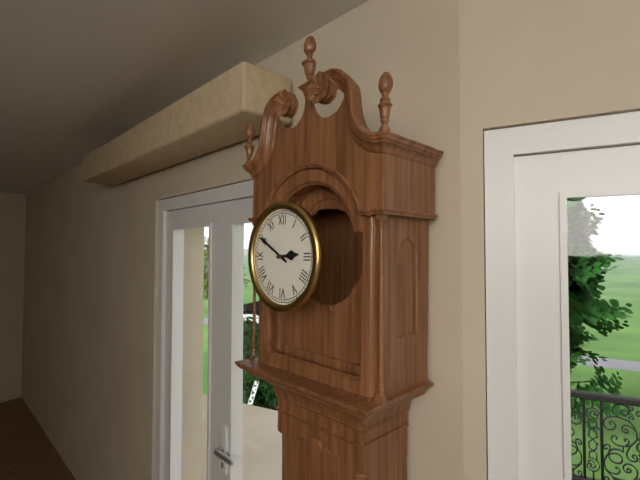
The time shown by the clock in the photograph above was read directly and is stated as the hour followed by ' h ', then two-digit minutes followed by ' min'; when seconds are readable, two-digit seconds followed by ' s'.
2 h 50 min
